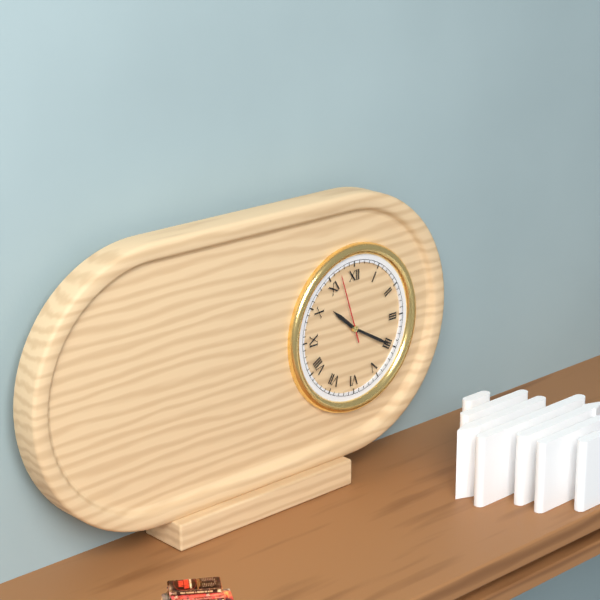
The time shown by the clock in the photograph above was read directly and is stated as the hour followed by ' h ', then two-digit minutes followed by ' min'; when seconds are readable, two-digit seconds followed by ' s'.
10 h 20 min 57 s
